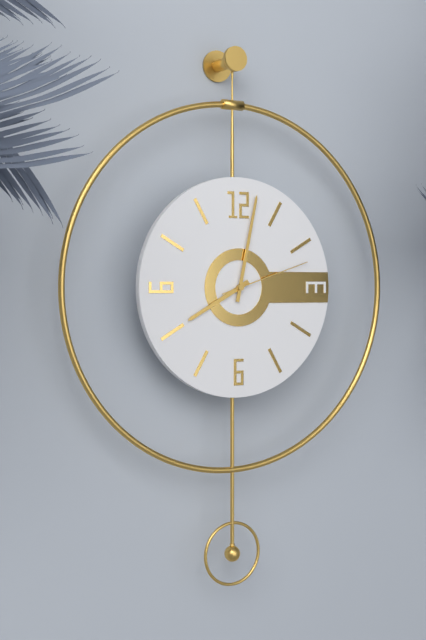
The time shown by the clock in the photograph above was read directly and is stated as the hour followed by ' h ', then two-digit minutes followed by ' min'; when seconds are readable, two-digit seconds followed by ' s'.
8 h 02 min 12 s
